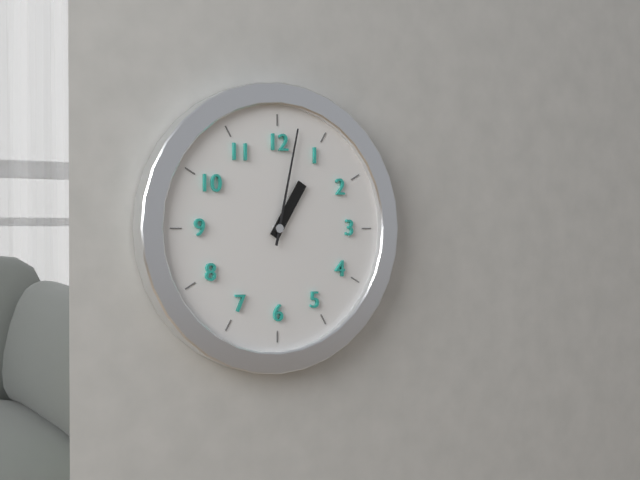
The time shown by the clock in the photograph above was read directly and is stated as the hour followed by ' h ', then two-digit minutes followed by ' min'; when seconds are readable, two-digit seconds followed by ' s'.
1 h 02 min
